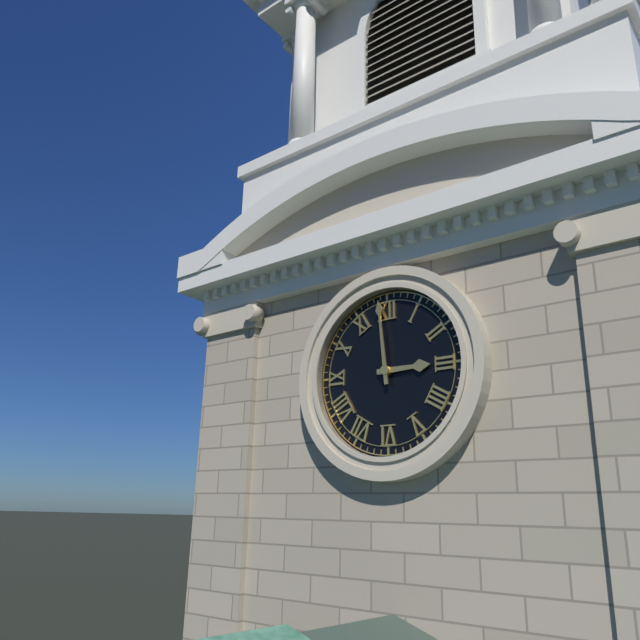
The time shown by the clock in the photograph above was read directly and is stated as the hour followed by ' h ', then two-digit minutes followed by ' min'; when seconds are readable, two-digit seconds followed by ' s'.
2 h 59 min
